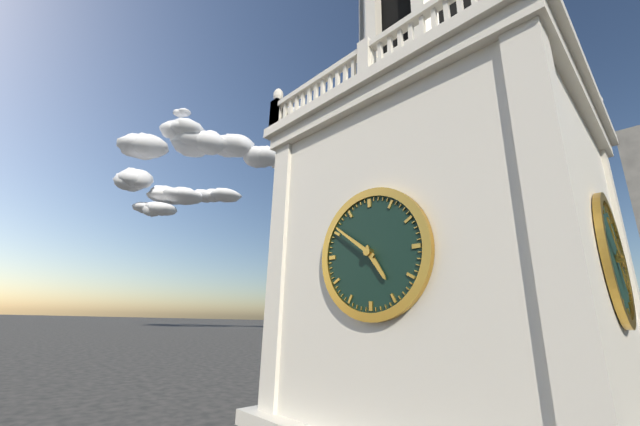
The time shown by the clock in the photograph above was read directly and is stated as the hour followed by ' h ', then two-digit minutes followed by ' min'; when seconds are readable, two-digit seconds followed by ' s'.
4 h 51 min
